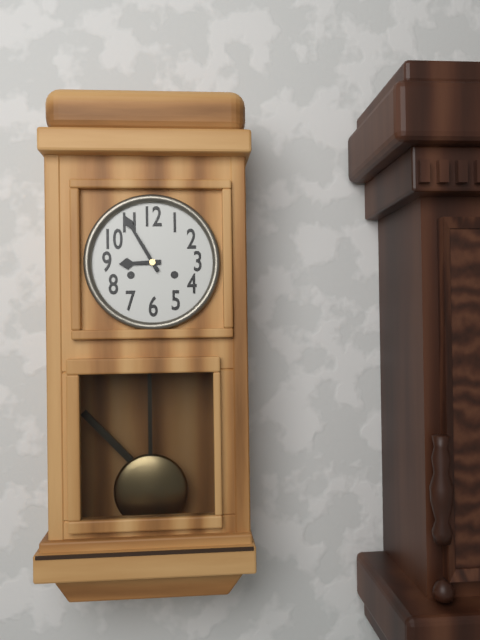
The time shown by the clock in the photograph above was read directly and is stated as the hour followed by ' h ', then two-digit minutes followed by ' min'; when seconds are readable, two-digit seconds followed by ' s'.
8 h 55 min
